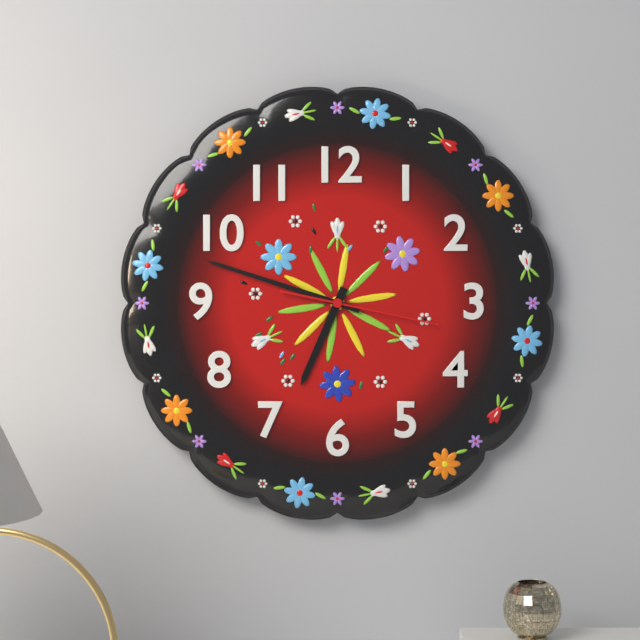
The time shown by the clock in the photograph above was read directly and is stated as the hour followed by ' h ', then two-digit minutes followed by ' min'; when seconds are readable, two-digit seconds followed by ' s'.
6 h 48 min 17 s
